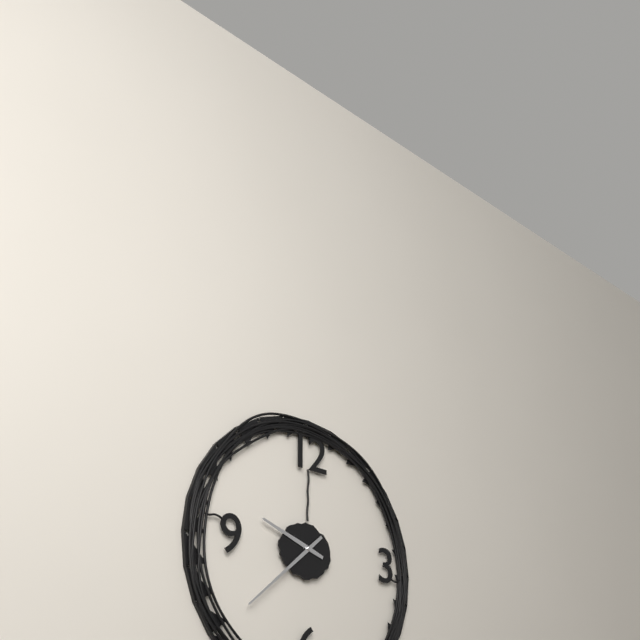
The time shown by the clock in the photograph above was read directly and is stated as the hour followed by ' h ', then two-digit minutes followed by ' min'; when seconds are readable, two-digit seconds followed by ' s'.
9 h 38 min
